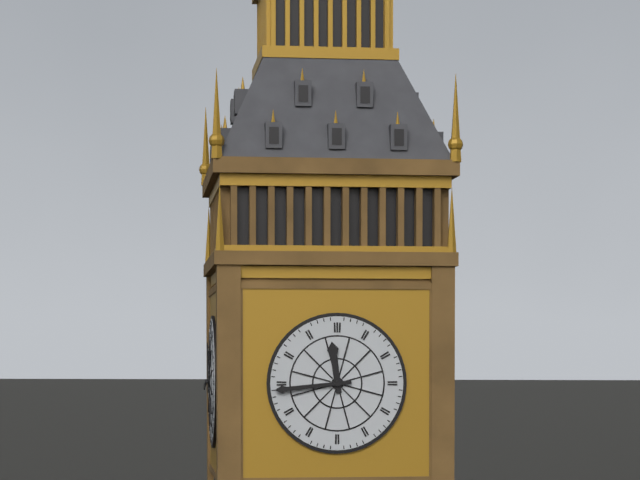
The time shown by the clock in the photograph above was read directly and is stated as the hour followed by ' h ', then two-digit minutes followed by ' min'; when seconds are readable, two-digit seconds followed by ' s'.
11 h 44 min
